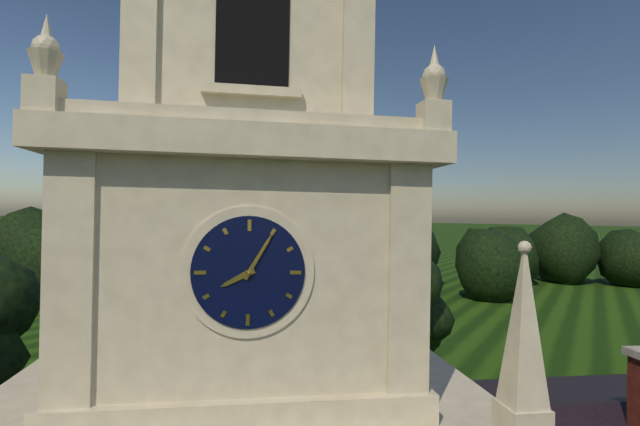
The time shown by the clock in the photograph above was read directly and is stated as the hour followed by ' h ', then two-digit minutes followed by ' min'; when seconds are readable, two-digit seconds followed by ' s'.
8 h 05 min
